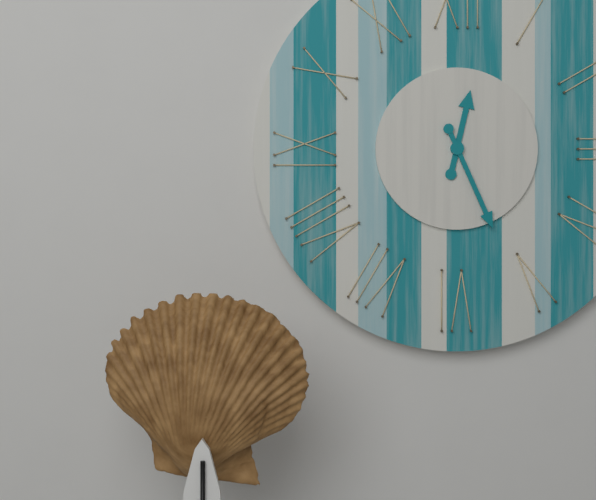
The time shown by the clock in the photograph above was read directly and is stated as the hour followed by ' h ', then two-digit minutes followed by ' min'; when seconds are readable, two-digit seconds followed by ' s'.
12 h 26 min
